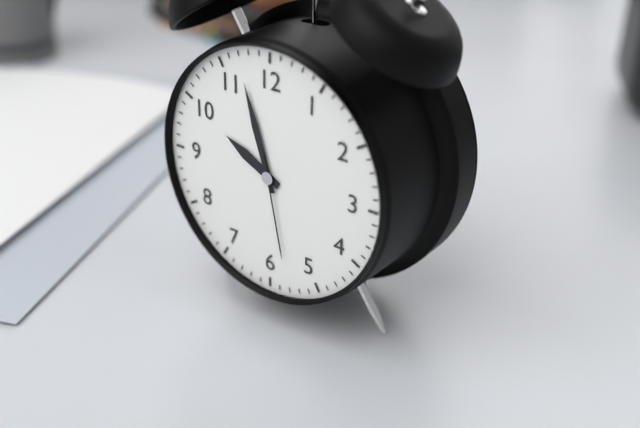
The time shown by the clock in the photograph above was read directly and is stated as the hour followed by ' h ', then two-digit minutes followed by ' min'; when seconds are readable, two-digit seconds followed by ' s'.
9 h 57 min 28 s
